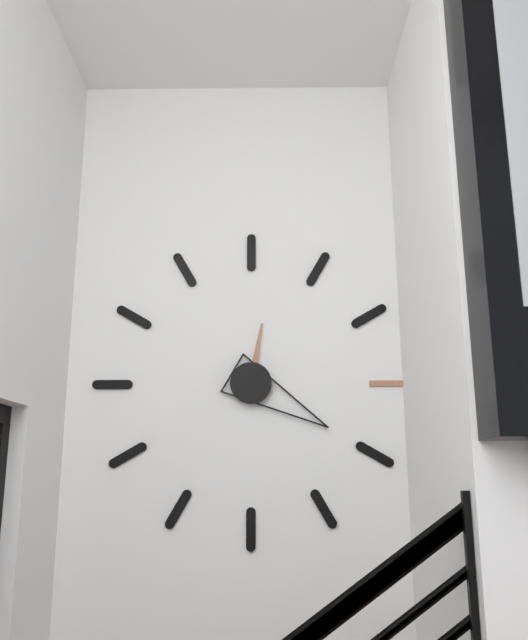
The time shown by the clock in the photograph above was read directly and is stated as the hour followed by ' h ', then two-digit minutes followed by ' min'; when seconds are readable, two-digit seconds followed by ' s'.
12 h 20 min
